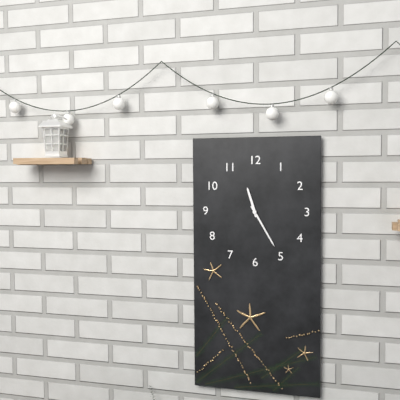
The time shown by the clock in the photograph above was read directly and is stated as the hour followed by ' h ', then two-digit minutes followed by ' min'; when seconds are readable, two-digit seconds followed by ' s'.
11 h 25 min
